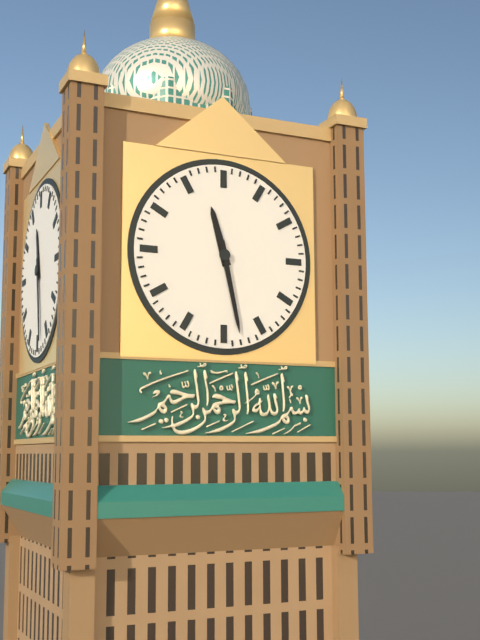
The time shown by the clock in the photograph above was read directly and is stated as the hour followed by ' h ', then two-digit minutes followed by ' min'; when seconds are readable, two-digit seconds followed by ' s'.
11 h 28 min
